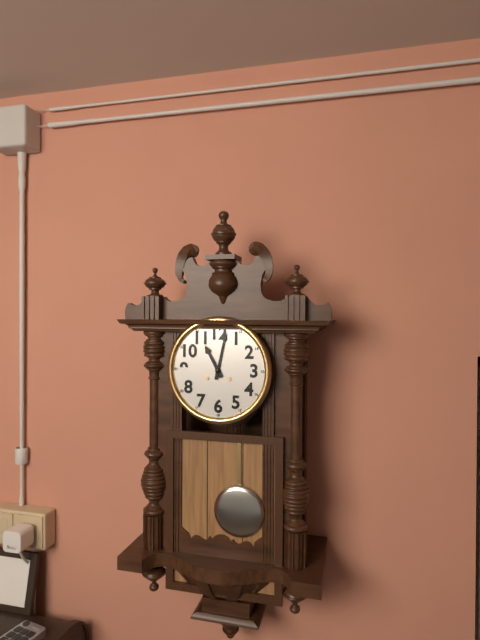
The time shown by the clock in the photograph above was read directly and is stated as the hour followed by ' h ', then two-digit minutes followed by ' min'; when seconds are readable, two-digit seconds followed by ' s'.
11 h 02 min
